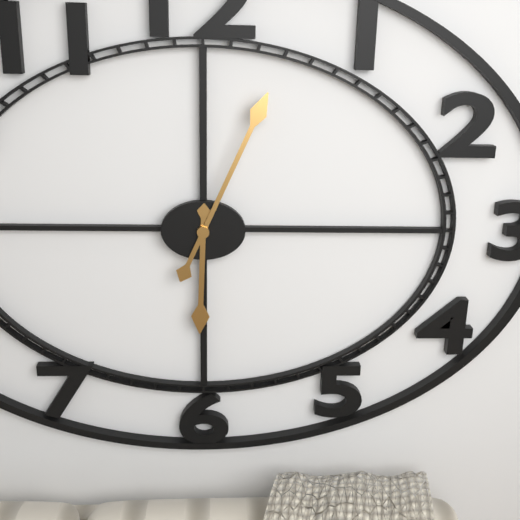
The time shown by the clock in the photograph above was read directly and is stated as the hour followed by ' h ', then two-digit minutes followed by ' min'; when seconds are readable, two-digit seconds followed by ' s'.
6 h 04 min
